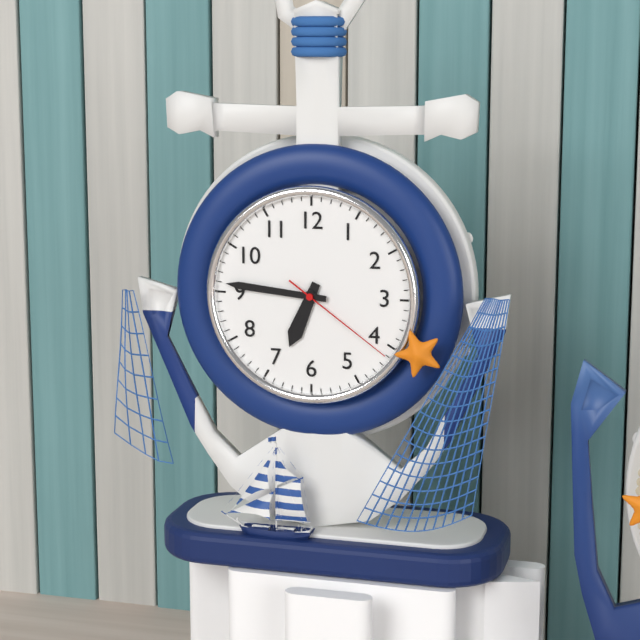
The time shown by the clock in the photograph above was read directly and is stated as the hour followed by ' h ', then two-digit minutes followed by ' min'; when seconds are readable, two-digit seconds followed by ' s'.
6 h 46 min 21 s
